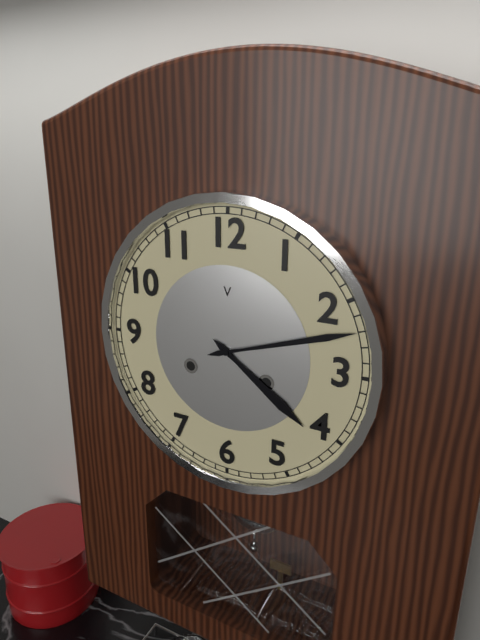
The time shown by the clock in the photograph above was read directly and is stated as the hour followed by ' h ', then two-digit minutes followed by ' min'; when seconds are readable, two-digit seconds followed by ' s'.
4 h 12 min
